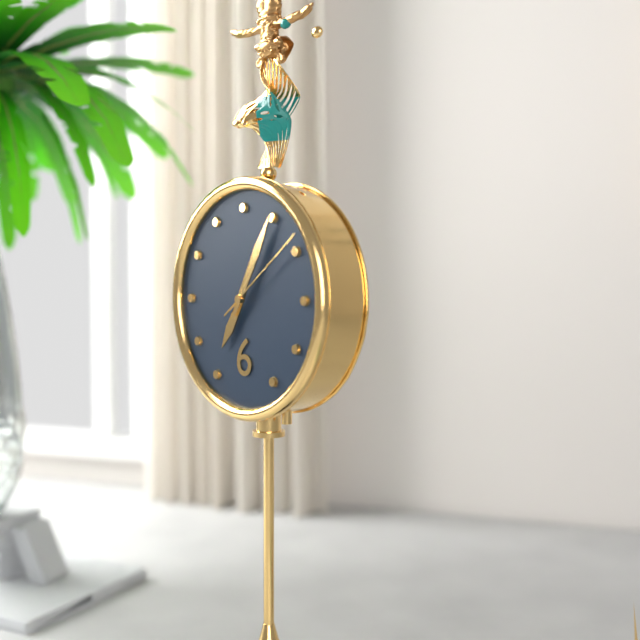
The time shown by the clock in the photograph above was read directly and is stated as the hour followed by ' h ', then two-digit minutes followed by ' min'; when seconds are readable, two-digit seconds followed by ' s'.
7 h 05 min 09 s
